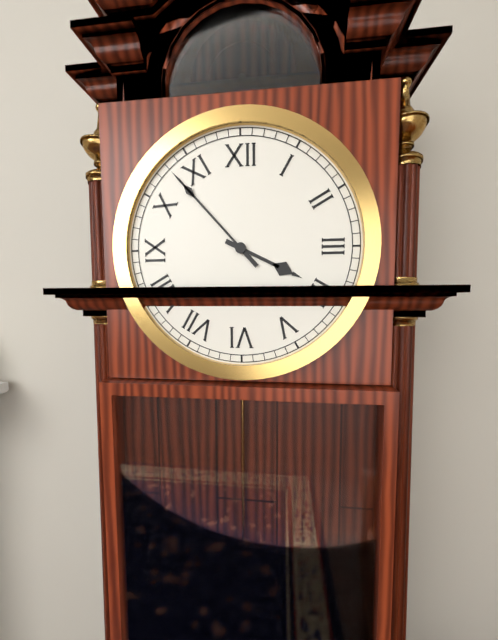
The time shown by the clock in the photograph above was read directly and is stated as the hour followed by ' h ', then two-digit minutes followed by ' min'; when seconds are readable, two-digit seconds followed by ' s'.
3 h 53 min
